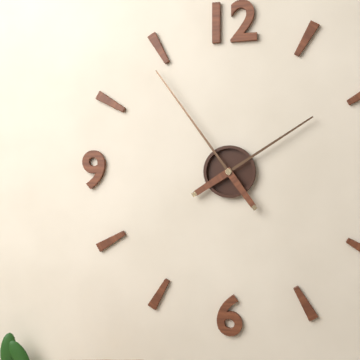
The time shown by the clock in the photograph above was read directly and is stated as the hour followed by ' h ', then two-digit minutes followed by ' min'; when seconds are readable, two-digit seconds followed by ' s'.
1 h 54 min
